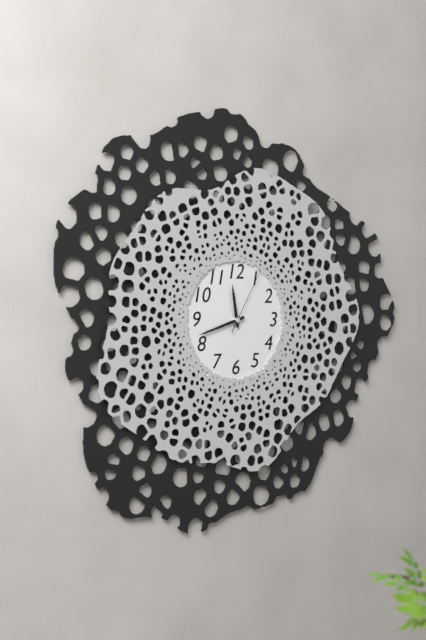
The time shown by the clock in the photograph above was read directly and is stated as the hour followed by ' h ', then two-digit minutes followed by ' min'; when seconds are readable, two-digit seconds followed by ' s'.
11 h 42 min 05 s
